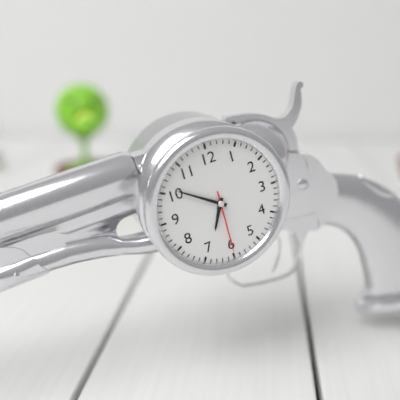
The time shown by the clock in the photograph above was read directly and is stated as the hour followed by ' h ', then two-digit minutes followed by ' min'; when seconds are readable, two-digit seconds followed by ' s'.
6 h 51 min 30 s
